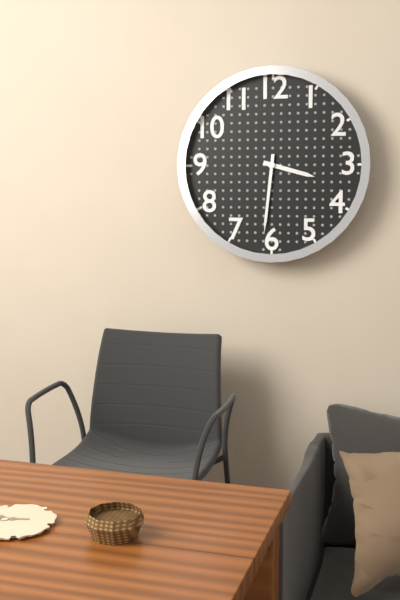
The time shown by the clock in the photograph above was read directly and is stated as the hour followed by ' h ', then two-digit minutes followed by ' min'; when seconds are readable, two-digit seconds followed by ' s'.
3 h 31 min
